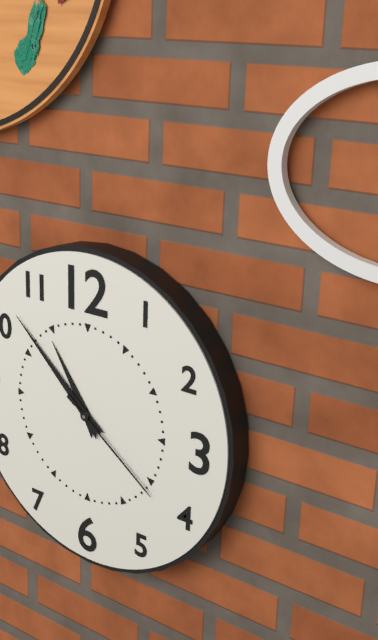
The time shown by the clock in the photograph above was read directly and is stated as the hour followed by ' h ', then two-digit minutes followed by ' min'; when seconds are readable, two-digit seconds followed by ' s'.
10 h 52 min 21 s
